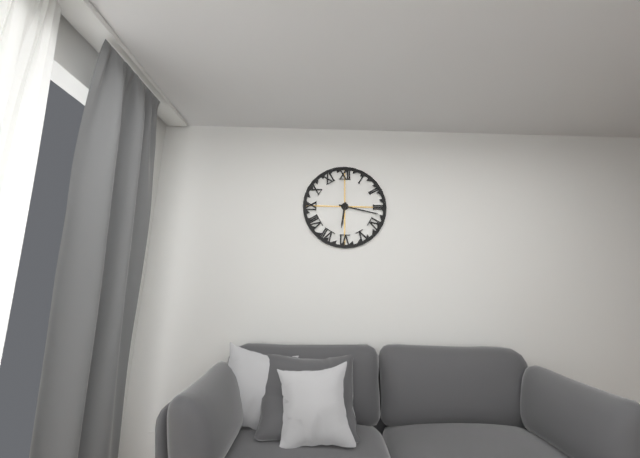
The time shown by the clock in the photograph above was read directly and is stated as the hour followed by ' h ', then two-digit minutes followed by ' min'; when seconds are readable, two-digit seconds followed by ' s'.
6 h 17 min
